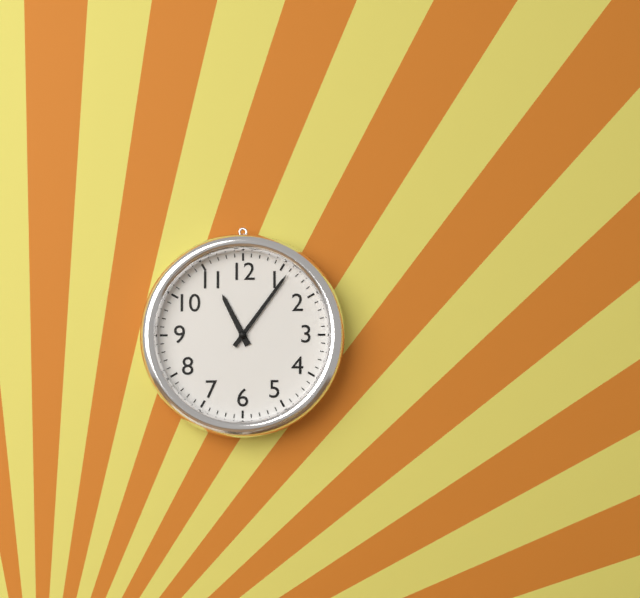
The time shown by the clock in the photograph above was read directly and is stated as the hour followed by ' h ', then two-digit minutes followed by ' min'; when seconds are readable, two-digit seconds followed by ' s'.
11 h 06 min
